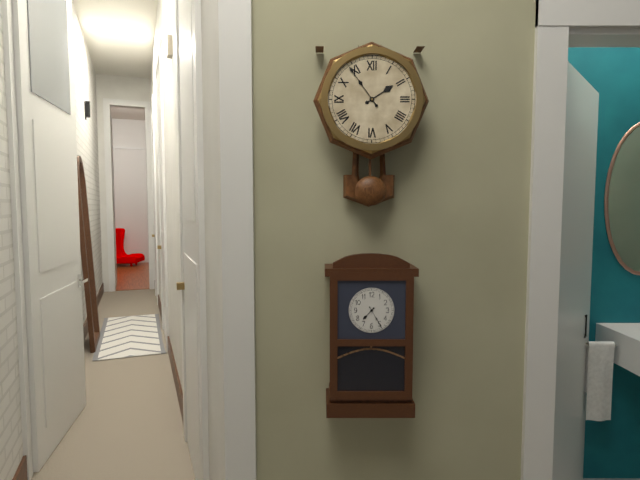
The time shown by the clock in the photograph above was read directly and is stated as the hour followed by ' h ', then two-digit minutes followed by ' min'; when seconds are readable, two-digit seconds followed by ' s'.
1 h 54 min
